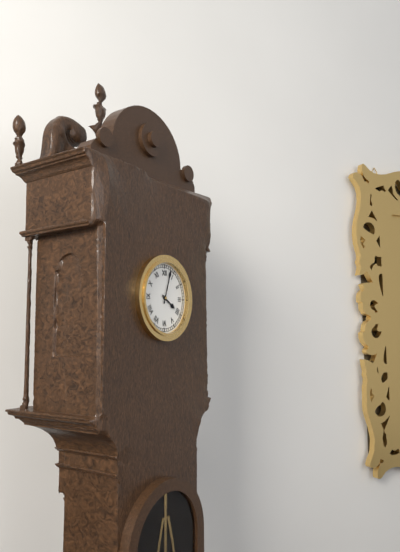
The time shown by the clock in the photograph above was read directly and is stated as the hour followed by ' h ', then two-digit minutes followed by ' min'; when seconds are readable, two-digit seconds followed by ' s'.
4 h 03 min
